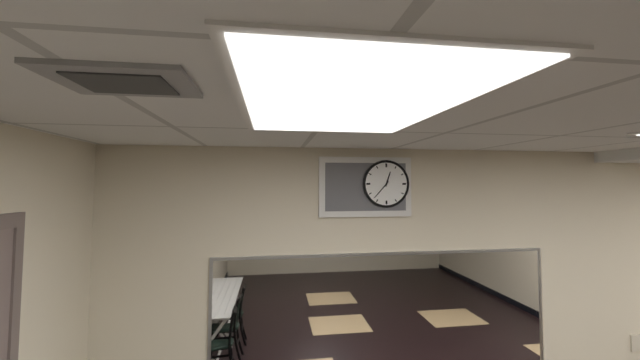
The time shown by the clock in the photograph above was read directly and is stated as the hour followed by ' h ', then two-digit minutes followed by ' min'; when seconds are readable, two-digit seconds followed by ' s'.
12 h 37 min
